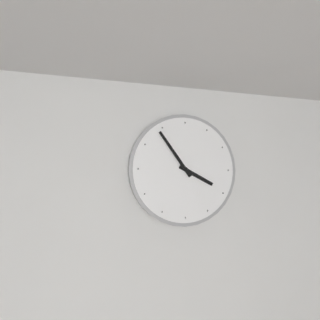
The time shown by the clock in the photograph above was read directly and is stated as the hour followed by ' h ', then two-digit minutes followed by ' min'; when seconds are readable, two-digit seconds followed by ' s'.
3 h 54 min
